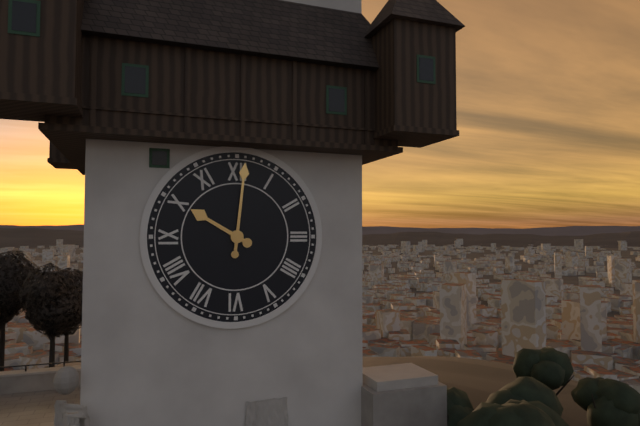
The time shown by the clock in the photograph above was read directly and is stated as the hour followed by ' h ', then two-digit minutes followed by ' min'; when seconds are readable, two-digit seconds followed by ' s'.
10 h 01 min
